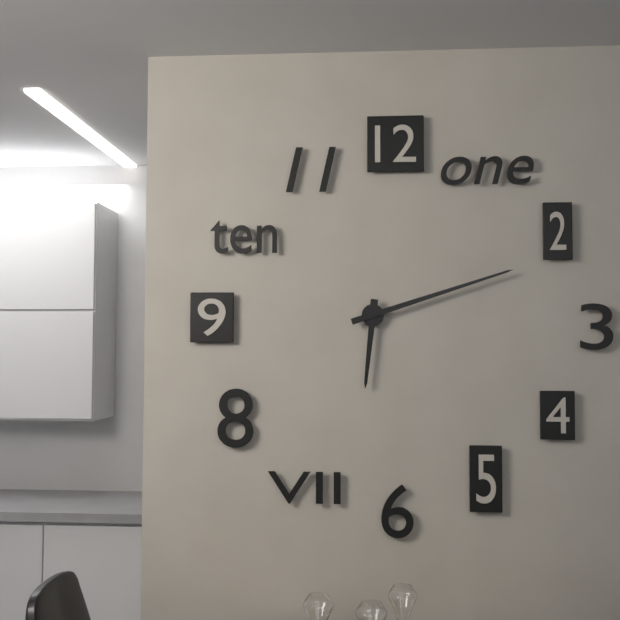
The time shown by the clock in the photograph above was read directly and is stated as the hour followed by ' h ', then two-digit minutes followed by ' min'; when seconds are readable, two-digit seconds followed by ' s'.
6 h 12 min
